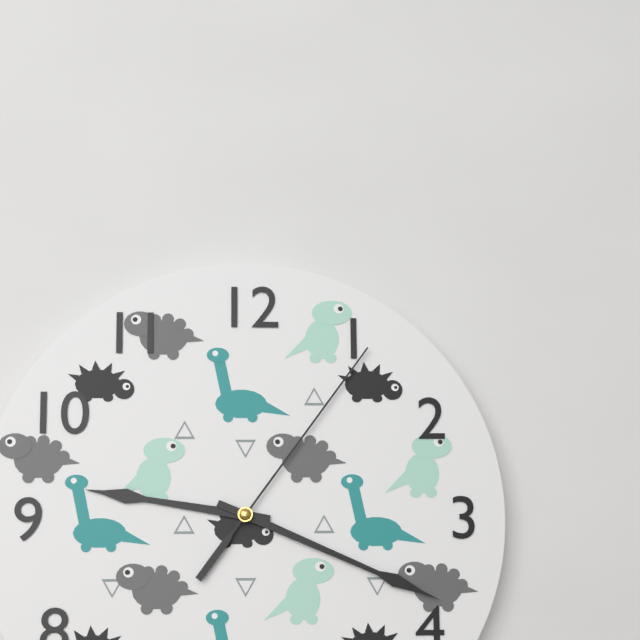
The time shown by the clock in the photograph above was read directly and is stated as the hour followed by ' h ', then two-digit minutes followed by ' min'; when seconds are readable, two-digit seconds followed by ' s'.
9 h 19 min 06 s
